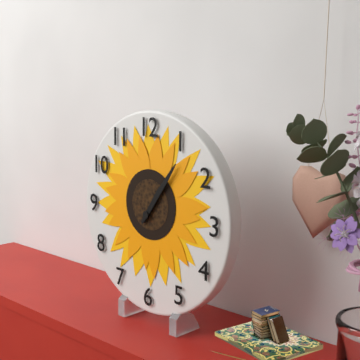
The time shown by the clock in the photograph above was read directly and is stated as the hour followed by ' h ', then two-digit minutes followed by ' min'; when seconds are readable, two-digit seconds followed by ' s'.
1 h 06 min
